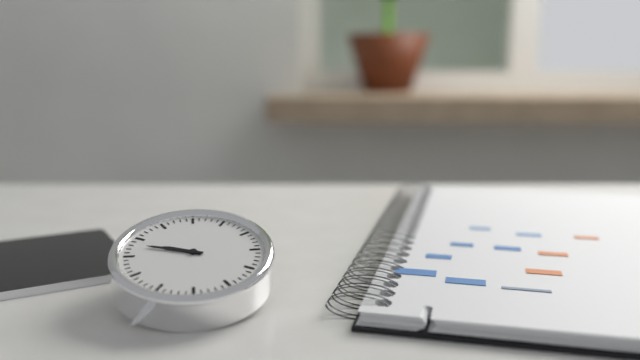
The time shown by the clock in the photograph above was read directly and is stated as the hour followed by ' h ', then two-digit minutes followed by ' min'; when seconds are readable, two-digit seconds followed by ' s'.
9 h 48 min
